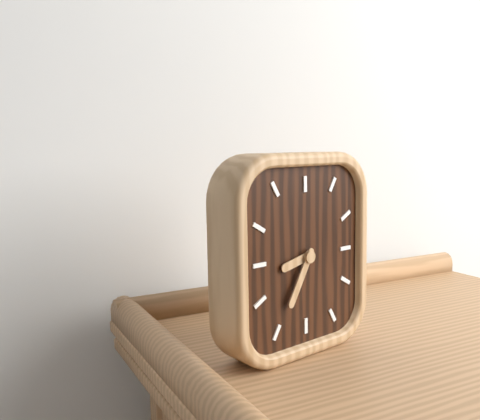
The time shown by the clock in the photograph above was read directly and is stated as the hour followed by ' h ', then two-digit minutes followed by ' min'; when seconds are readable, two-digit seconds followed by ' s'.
8 h 35 min
